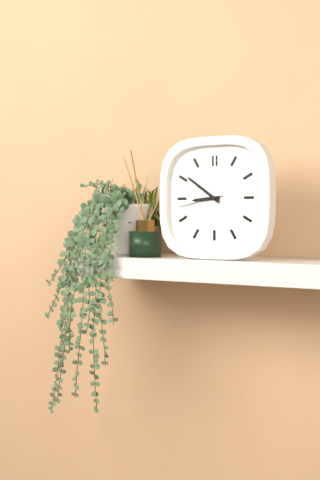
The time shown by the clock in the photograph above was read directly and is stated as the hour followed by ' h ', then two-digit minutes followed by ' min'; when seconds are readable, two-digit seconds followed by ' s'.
8 h 51 min
